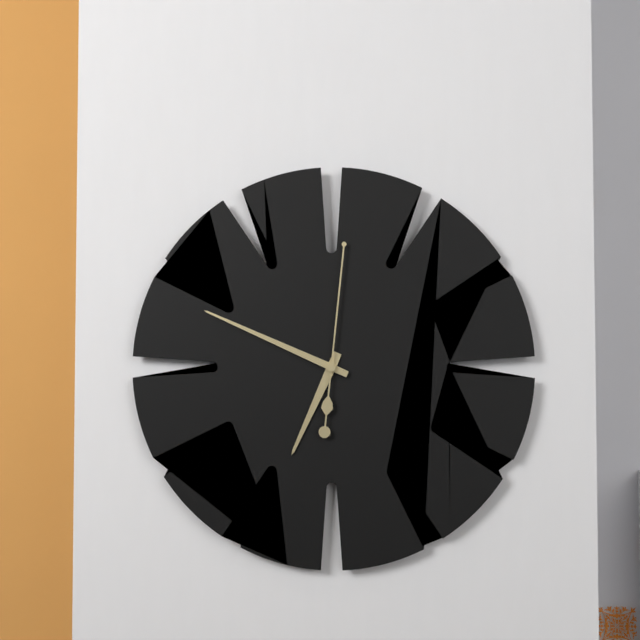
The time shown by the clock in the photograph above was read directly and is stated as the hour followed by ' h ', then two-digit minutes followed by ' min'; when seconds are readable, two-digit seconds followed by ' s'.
6 h 49 min 01 s
